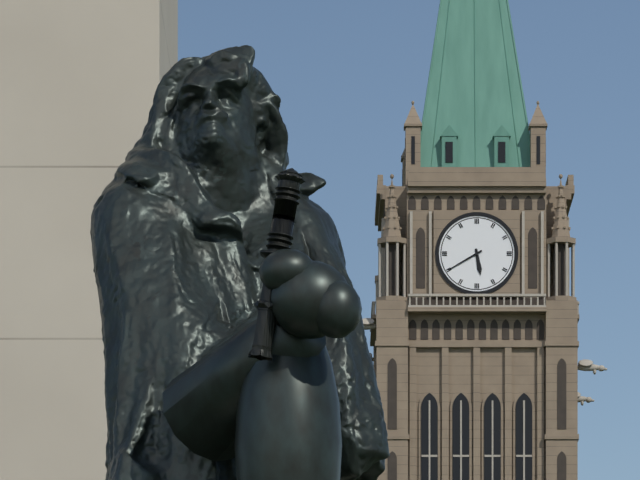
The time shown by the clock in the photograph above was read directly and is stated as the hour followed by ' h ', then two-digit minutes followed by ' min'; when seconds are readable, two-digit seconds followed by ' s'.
5 h 40 min
